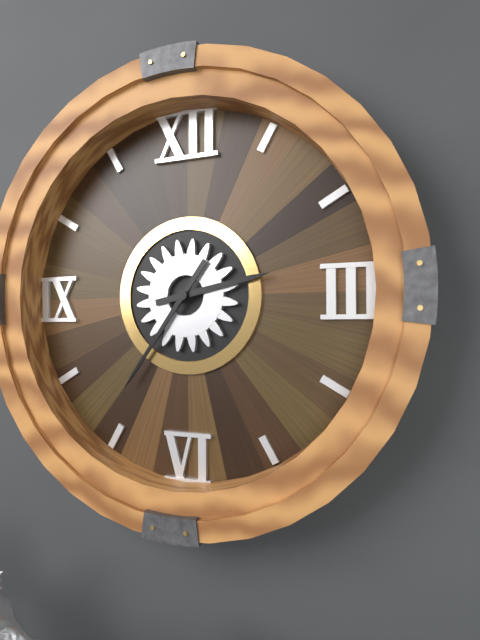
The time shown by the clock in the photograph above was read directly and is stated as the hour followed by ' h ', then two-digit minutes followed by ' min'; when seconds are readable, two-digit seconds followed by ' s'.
2 h 36 min
